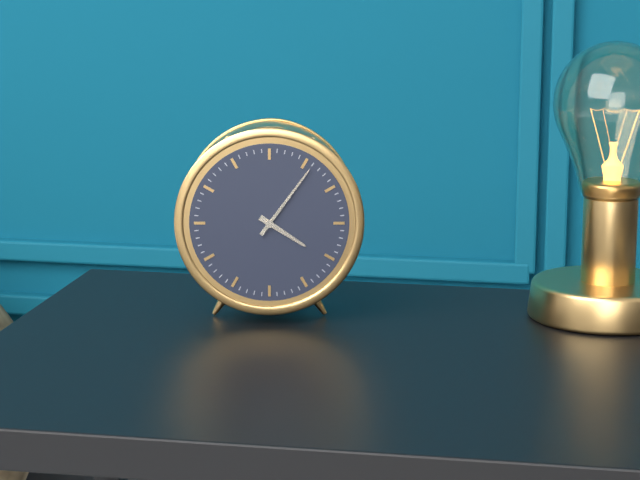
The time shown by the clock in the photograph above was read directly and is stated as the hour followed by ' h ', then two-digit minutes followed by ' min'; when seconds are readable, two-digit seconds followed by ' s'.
4 h 06 min
